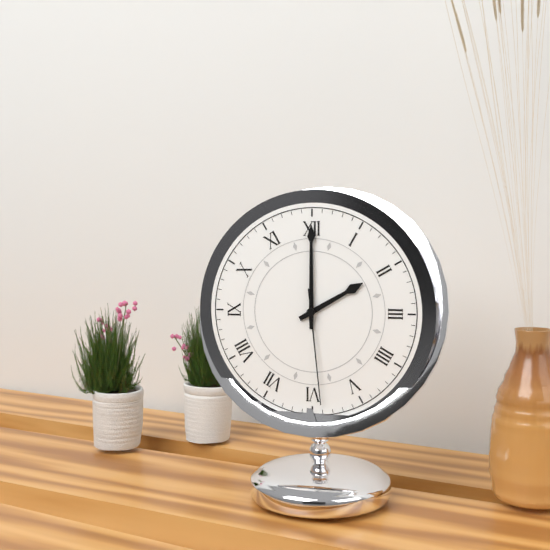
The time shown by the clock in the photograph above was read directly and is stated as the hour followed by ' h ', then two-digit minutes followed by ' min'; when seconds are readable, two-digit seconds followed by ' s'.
2 h 00 min 29 s
